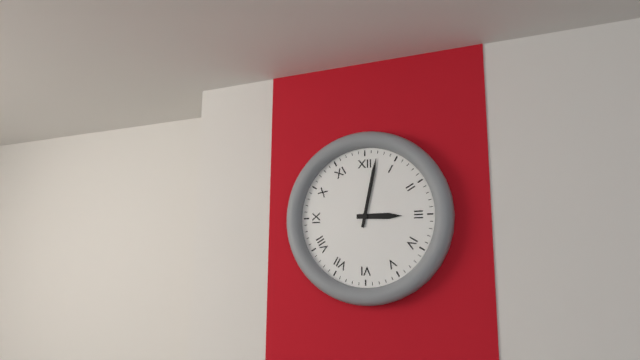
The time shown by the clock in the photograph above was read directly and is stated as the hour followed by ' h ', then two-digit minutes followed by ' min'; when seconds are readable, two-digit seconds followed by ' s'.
3 h 02 min
